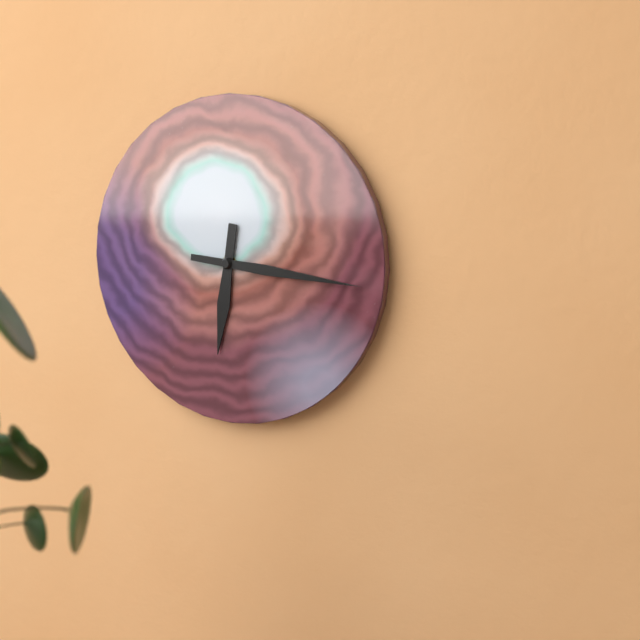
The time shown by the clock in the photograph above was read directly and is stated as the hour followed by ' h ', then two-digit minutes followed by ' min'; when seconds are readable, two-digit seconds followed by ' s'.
6 h 16 min
